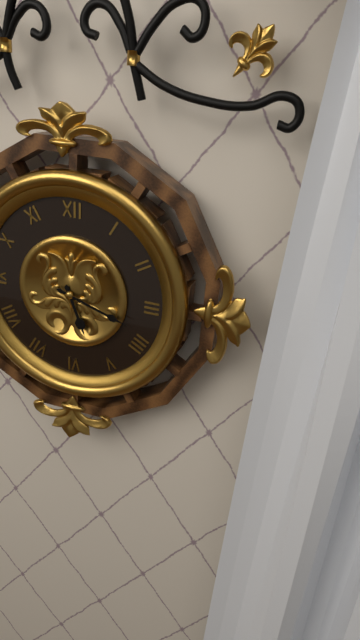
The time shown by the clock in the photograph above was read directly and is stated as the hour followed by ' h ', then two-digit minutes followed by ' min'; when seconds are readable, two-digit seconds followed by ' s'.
5 h 18 min
